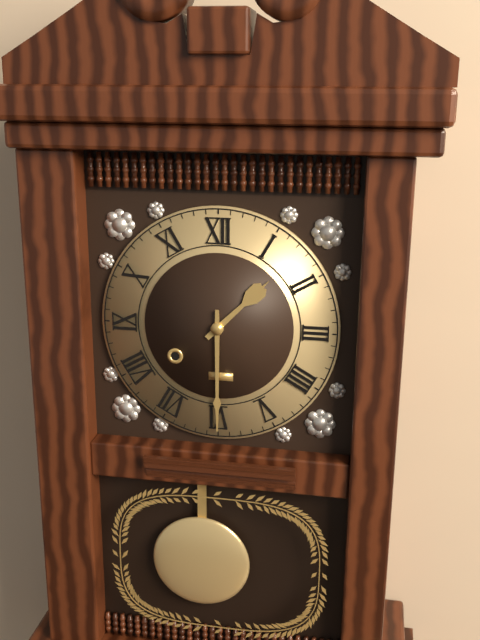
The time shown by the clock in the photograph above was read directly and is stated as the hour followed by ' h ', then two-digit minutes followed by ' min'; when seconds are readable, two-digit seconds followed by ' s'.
1 h 30 min
